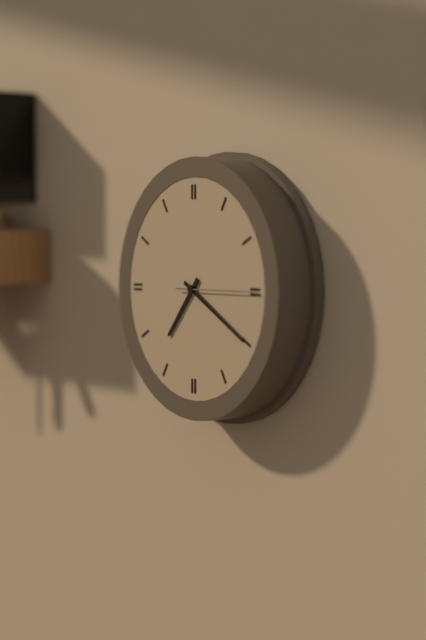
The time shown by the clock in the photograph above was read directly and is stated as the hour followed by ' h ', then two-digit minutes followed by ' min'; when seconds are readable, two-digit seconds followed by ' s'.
7 h 20 min 15 s
